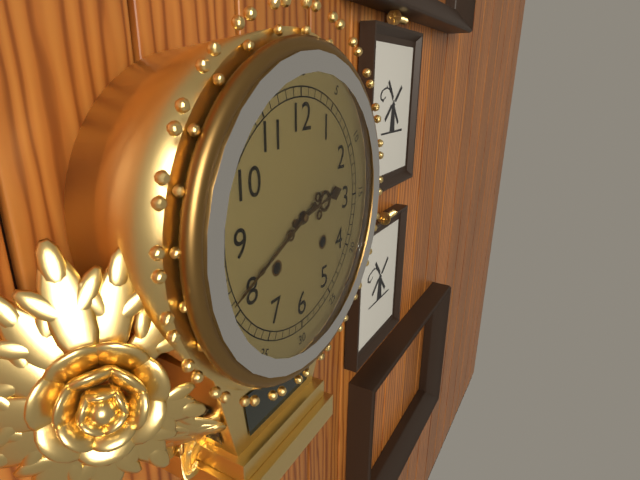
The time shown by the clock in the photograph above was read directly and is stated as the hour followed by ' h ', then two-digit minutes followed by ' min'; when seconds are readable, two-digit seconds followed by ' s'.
2 h 41 min
